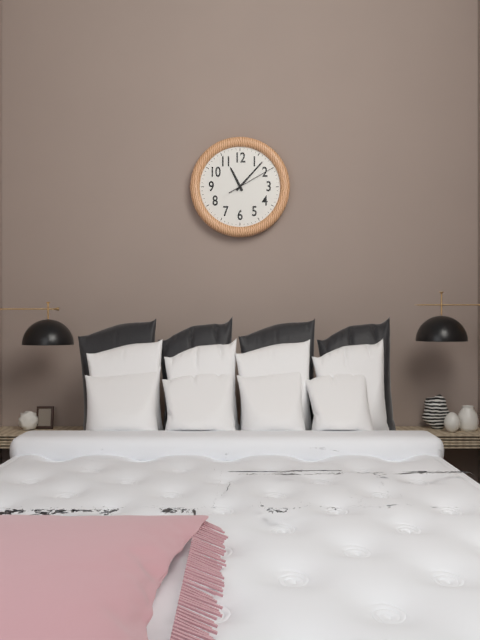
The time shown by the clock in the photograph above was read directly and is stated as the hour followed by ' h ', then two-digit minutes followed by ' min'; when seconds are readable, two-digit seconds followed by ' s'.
11 h 07 min
